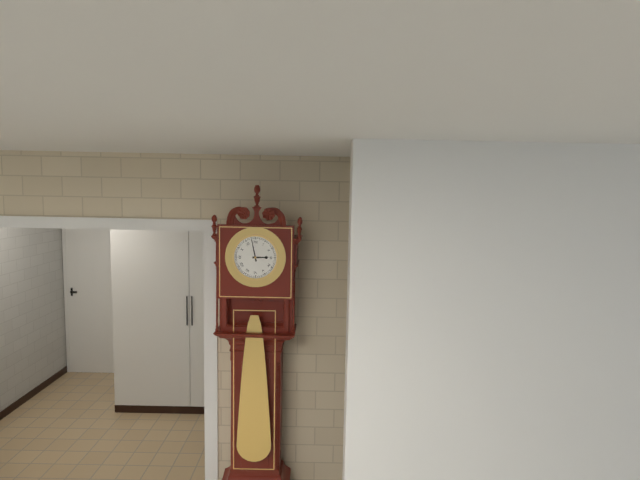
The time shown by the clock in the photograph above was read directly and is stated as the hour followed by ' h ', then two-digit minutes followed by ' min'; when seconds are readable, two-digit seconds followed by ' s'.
2 h 58 min
